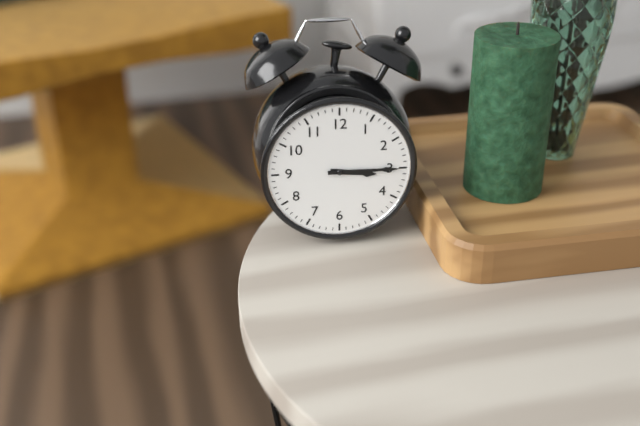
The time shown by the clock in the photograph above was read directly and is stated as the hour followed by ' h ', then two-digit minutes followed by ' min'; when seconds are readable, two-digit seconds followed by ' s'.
3 h 15 min
